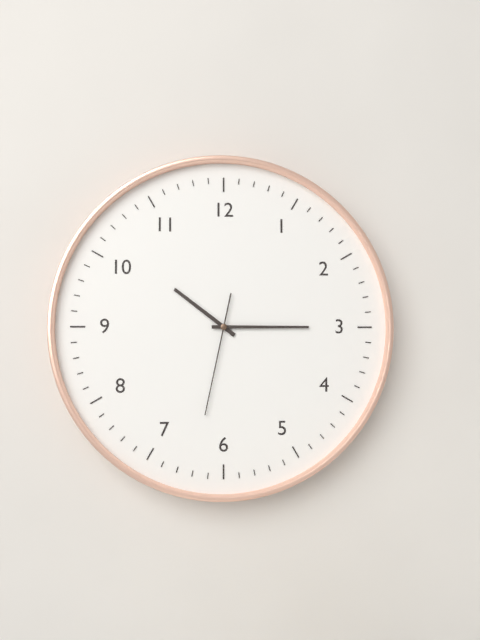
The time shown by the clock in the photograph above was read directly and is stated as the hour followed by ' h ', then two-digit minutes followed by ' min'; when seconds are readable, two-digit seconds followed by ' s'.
10 h 15 min 32 s
